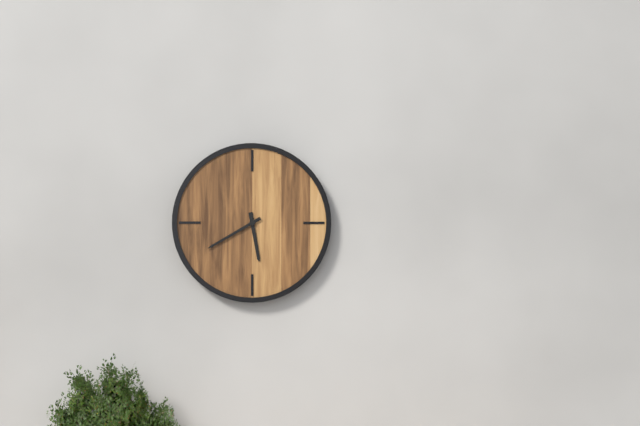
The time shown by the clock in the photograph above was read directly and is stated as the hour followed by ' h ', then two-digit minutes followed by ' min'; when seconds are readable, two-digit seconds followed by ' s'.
5 h 40 min
